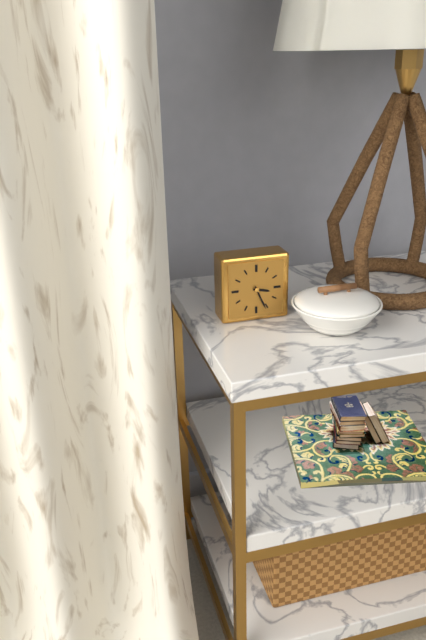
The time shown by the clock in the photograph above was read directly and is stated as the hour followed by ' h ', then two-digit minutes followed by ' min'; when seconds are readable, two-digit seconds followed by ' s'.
3 h 26 min
